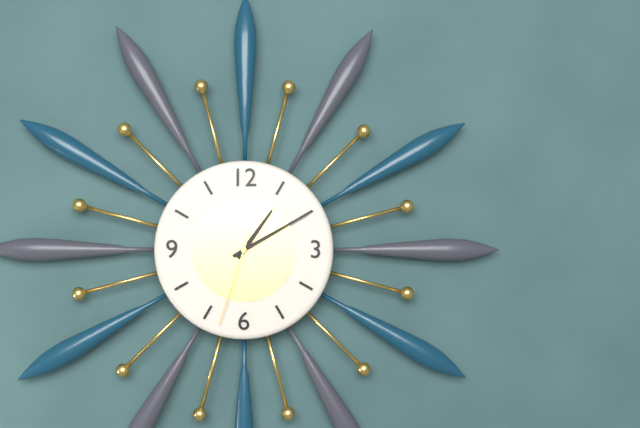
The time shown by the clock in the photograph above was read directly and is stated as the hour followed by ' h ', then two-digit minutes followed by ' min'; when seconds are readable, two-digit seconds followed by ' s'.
1 h 10 min 33 s
